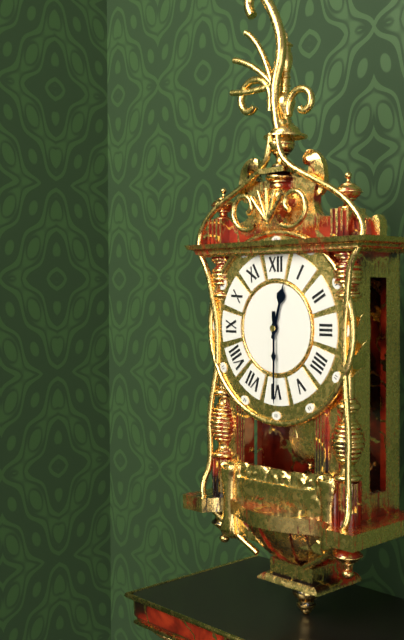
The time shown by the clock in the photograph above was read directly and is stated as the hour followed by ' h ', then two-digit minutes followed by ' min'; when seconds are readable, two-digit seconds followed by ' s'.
12 h 30 min
